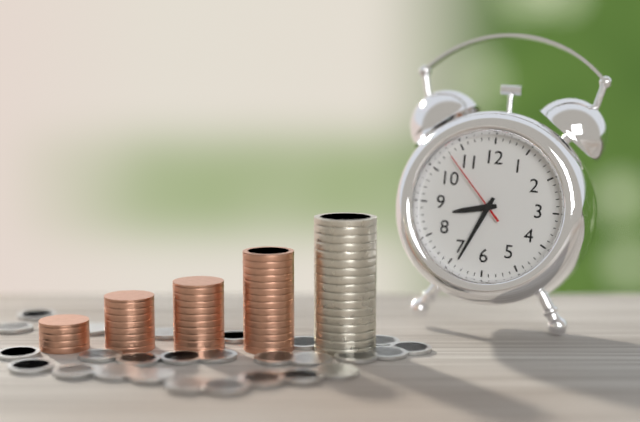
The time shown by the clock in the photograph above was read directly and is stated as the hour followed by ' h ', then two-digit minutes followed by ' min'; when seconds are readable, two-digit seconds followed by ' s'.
8 h 34 min 53 s
